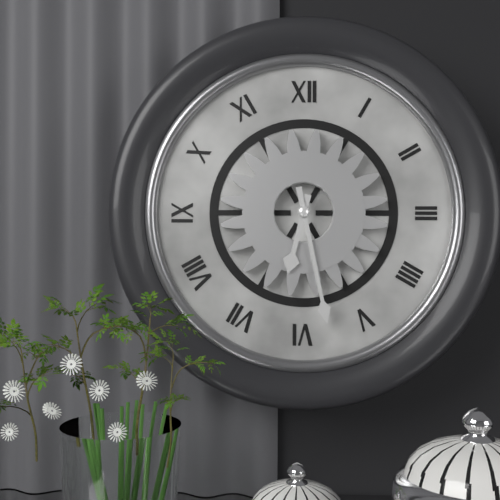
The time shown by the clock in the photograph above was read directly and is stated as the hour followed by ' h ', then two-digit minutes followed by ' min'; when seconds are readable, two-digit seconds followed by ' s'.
6 h 28 min
